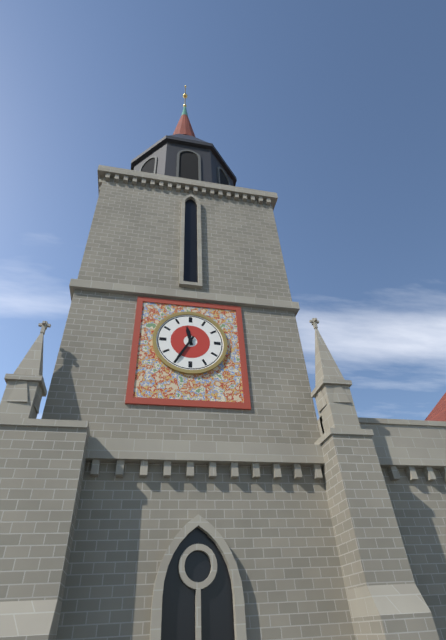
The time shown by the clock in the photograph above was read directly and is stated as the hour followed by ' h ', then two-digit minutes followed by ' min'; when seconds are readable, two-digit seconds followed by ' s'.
11 h 35 min
